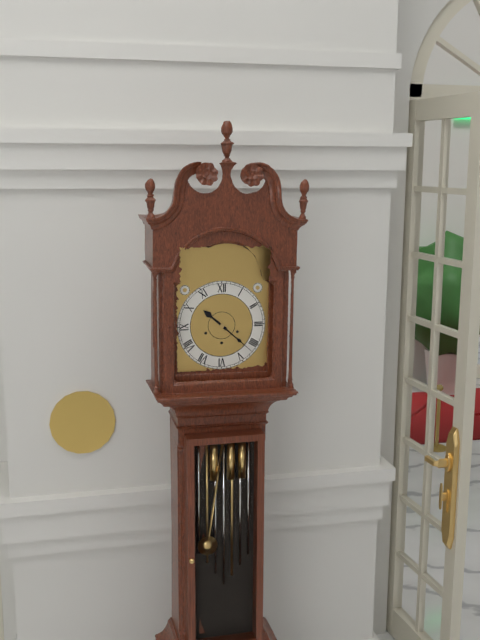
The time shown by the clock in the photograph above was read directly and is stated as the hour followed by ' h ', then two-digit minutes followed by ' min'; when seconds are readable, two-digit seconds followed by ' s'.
10 h 22 min
